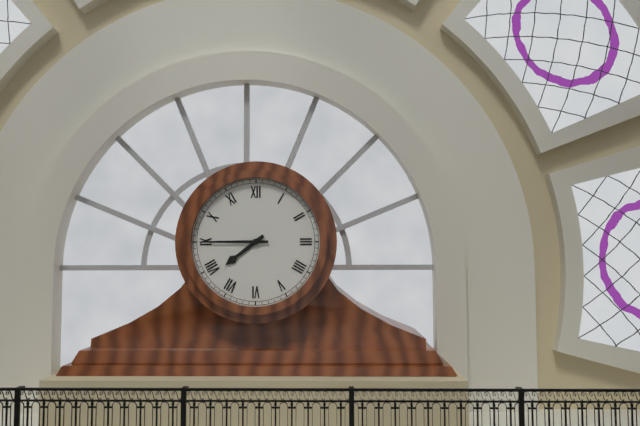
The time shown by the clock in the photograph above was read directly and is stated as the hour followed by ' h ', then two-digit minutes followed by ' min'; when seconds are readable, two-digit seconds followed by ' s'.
7 h 45 min
